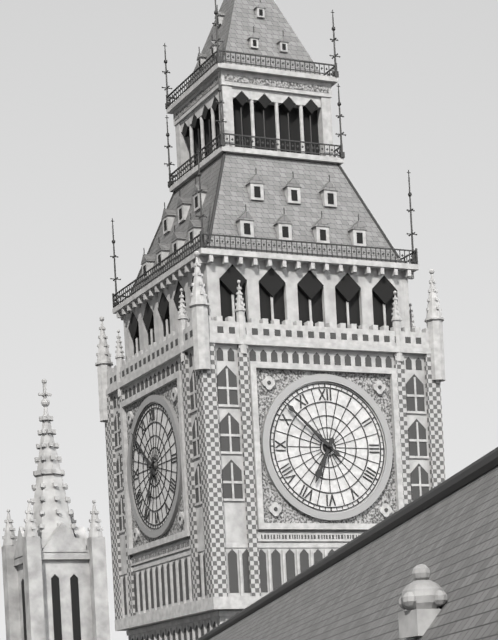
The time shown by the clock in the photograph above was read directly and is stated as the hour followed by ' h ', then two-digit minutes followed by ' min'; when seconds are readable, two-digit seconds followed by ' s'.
6 h 52 min
